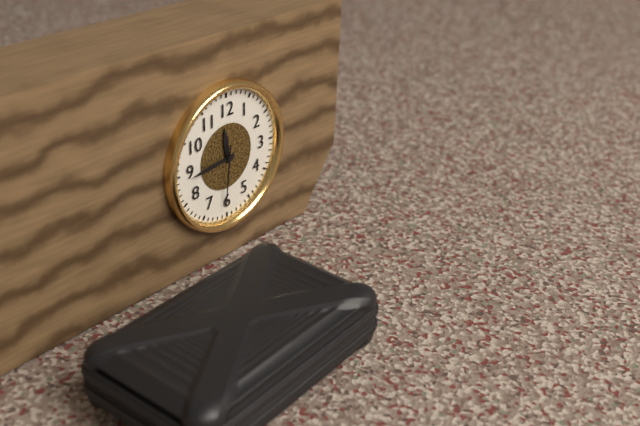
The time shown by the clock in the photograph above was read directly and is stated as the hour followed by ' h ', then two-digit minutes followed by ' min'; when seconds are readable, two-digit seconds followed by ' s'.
11 h 44 min 31 s
